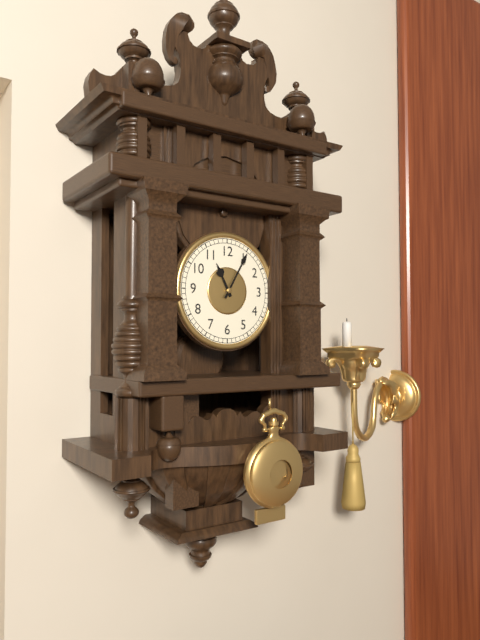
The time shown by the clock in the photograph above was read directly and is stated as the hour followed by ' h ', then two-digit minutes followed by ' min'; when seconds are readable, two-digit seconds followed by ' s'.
11 h 05 min
